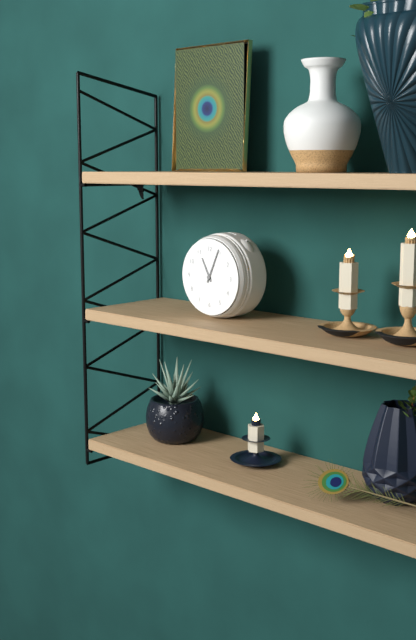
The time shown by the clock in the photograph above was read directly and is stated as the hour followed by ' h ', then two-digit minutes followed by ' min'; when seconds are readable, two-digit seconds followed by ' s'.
11 h 04 min
